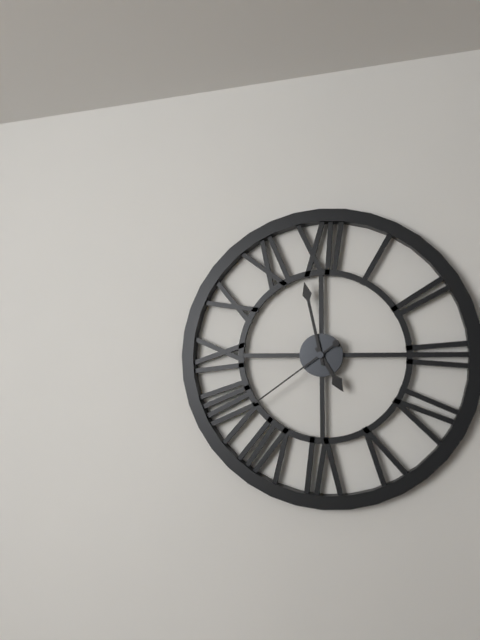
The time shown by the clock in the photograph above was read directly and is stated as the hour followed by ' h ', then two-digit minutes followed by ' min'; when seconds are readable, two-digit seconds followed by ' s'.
4 h 58 min 39 s
